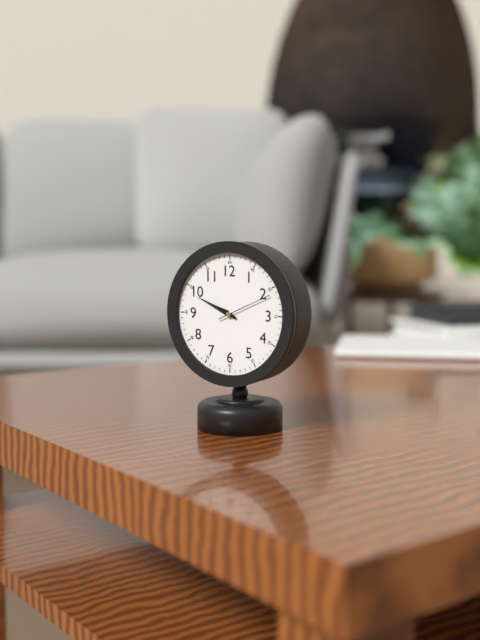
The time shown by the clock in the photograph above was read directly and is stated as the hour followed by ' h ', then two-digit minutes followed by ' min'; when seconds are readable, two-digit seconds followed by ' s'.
9 h 49 min 11 s
